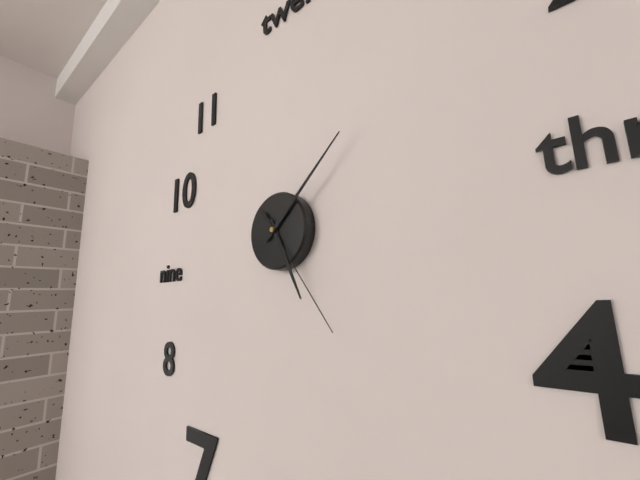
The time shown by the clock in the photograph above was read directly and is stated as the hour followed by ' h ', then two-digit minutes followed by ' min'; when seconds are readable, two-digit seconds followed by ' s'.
5 h 08 min 24 s
